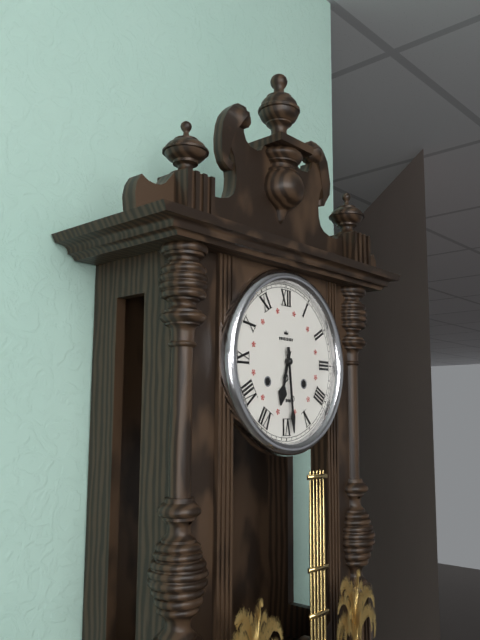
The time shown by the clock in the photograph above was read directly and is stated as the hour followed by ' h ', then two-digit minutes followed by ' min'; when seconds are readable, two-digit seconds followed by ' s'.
6 h 29 min
